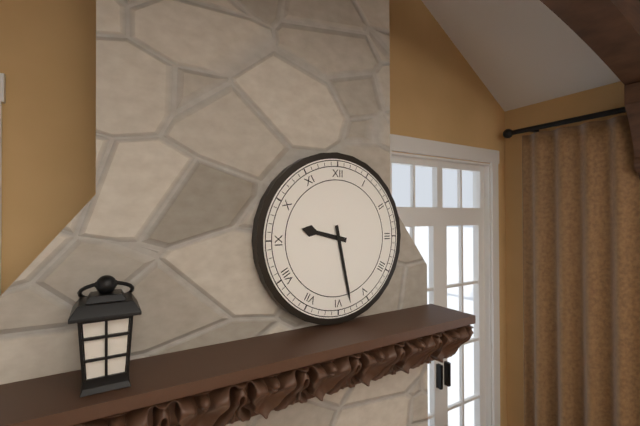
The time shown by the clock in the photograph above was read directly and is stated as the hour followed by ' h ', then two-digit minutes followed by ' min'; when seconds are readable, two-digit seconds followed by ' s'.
9 h 28 min
